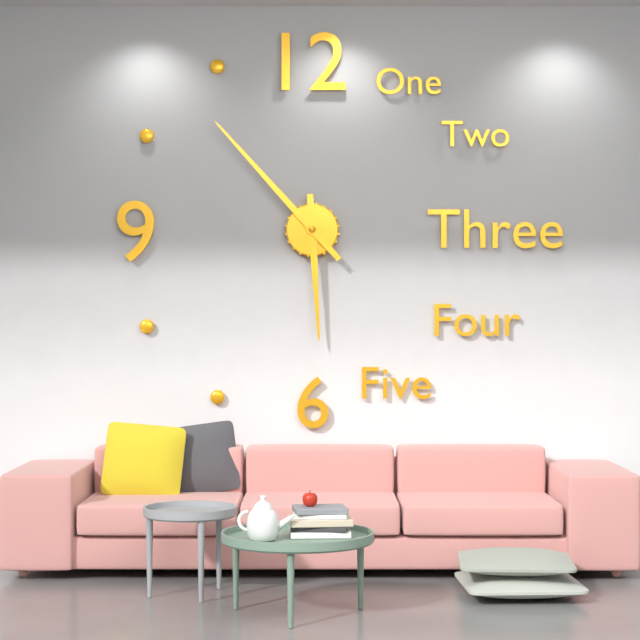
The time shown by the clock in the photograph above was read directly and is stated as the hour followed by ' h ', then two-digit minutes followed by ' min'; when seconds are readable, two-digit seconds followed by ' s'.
5 h 53 min
